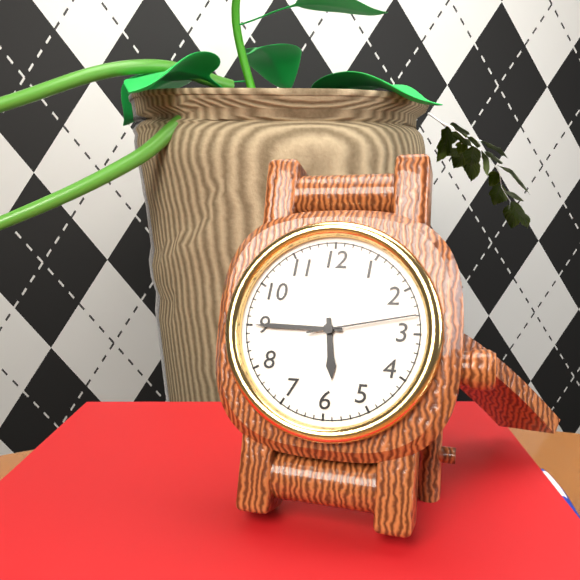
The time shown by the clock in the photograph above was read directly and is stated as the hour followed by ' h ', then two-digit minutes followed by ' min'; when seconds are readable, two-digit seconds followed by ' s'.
5 h 45 min 13 s
